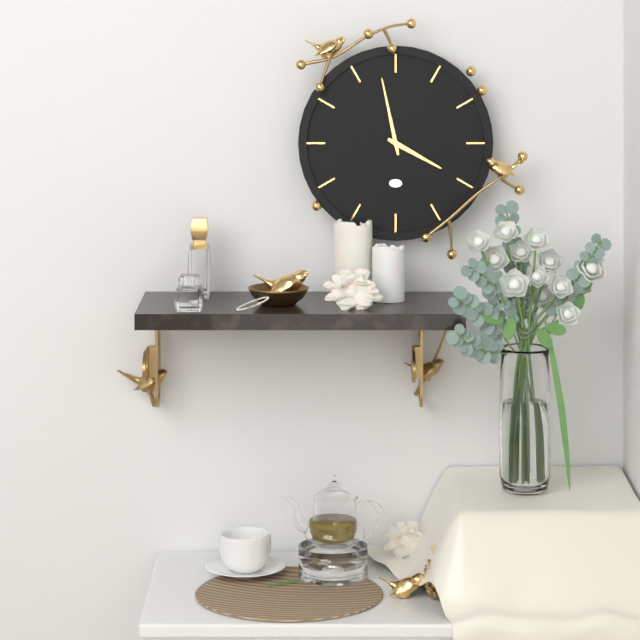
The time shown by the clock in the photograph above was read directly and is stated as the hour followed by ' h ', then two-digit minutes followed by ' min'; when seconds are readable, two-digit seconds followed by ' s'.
3 h 58 min
